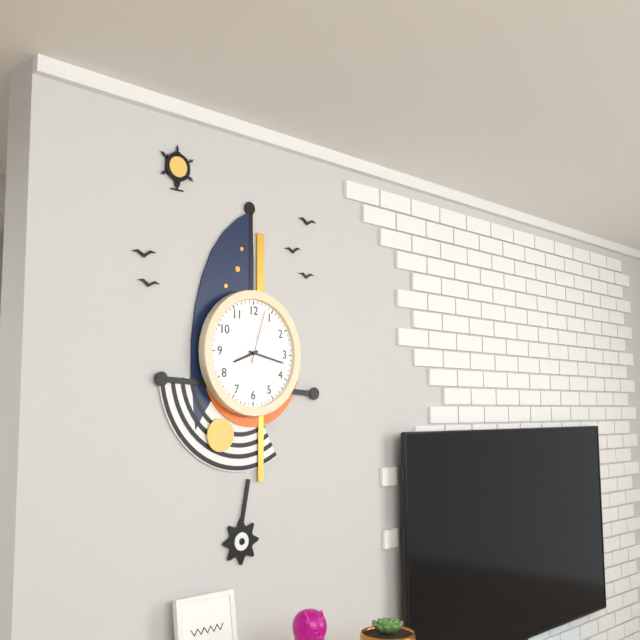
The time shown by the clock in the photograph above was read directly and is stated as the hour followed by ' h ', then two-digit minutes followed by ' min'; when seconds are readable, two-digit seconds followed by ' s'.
8 h 17 min 03 s
